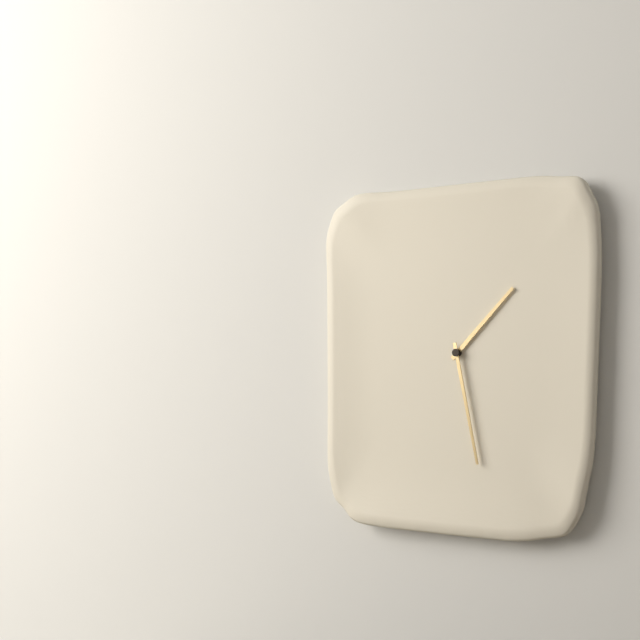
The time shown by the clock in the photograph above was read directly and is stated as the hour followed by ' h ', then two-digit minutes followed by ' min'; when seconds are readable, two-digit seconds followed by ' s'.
1 h 28 min
